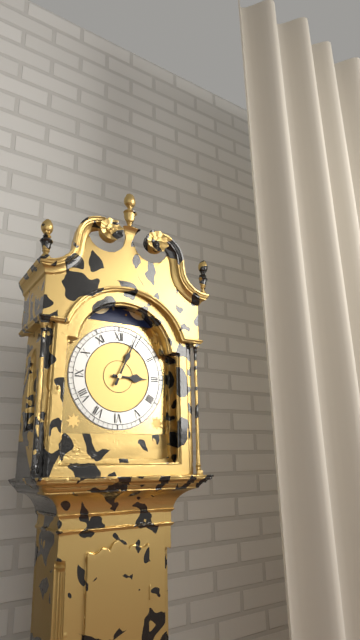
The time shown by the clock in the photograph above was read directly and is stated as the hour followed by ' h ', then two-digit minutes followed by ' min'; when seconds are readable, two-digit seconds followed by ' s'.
3 h 04 min
